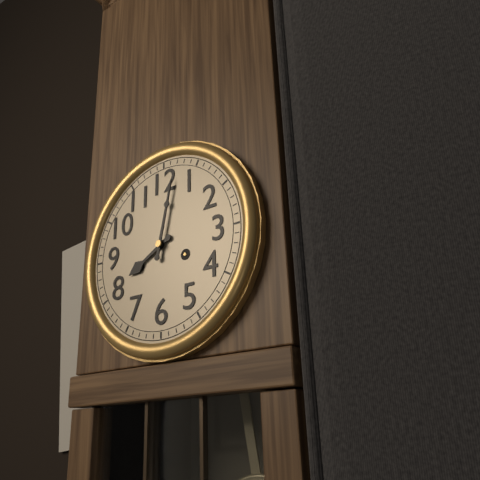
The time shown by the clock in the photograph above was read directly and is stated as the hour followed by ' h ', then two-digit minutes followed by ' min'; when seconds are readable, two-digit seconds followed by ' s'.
8 h 02 min
